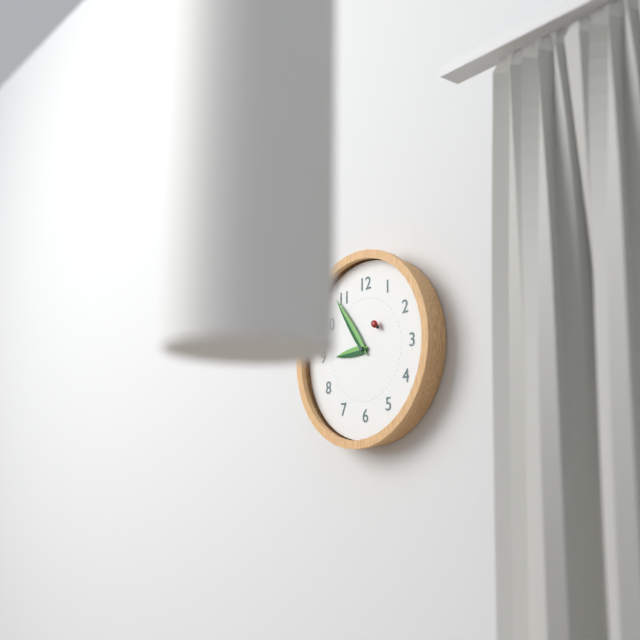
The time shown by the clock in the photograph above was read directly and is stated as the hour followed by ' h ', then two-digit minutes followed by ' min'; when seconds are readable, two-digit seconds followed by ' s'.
8 h 54 min
